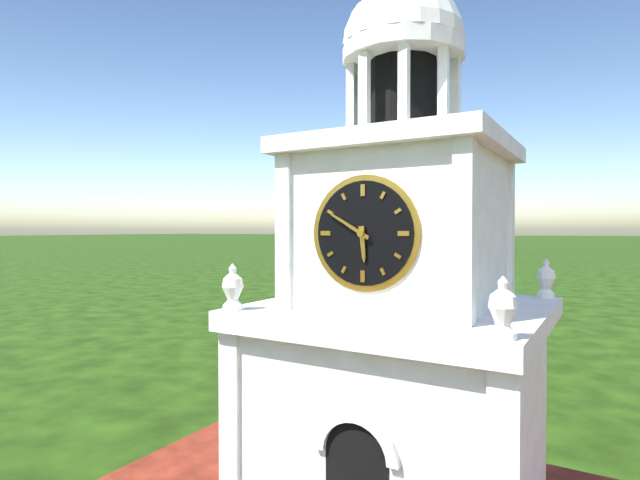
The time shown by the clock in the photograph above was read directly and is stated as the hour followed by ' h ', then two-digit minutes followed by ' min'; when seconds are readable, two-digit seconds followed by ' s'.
5 h 50 min
